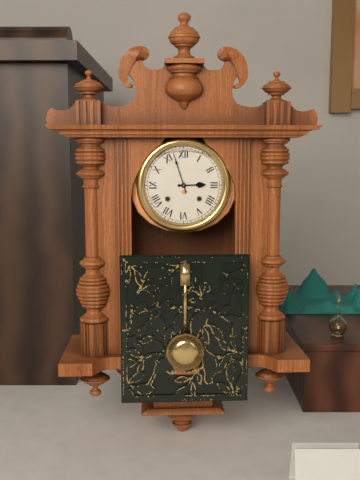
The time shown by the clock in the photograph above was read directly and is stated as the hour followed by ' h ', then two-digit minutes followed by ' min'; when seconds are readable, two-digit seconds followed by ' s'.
2 h 57 min
